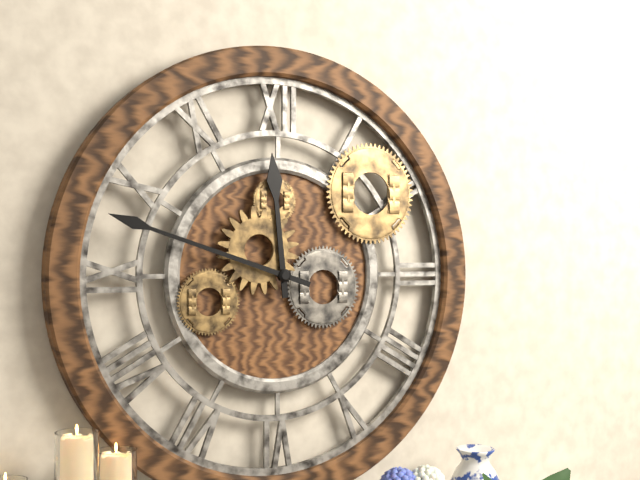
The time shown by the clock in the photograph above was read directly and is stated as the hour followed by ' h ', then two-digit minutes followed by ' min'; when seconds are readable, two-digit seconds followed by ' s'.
11 h 48 min
